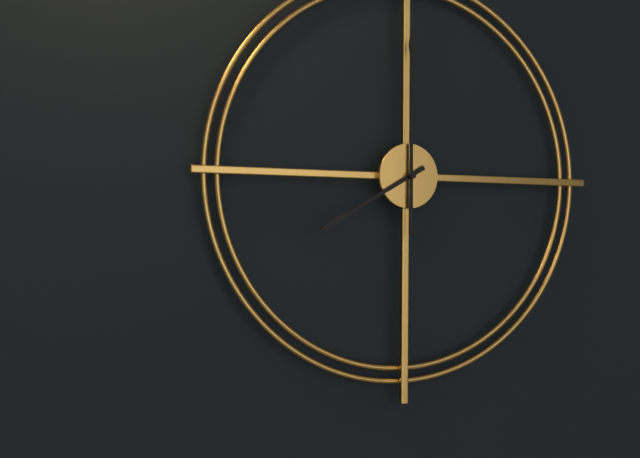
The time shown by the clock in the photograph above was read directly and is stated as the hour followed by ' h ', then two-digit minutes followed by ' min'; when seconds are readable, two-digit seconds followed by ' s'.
8 h 00 min
